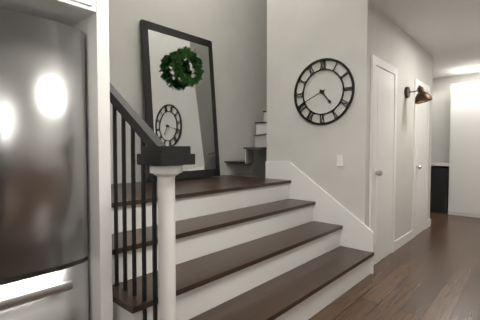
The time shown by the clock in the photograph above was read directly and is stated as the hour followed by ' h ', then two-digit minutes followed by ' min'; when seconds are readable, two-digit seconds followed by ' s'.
4 h 41 min
